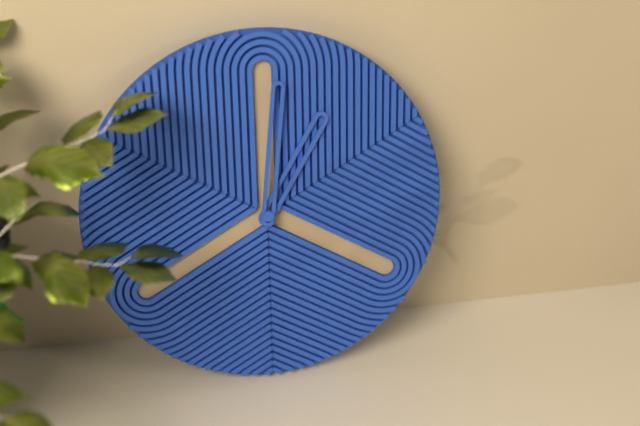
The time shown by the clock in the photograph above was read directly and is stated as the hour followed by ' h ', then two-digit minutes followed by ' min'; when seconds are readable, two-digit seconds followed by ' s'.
1 h 01 min
